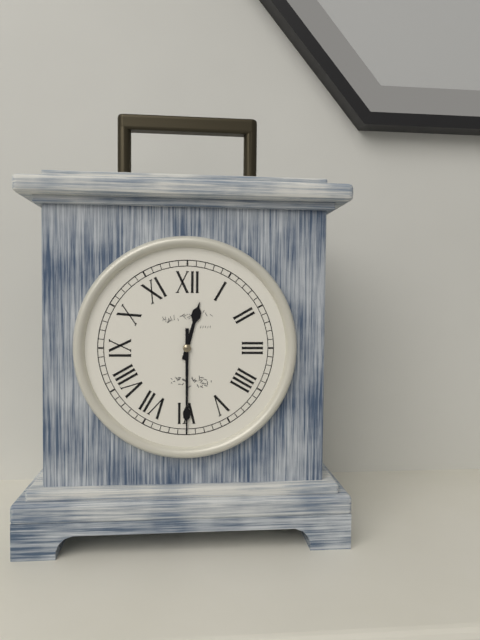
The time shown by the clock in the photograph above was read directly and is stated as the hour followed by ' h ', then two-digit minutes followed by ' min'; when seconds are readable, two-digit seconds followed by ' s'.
12 h 30 min
